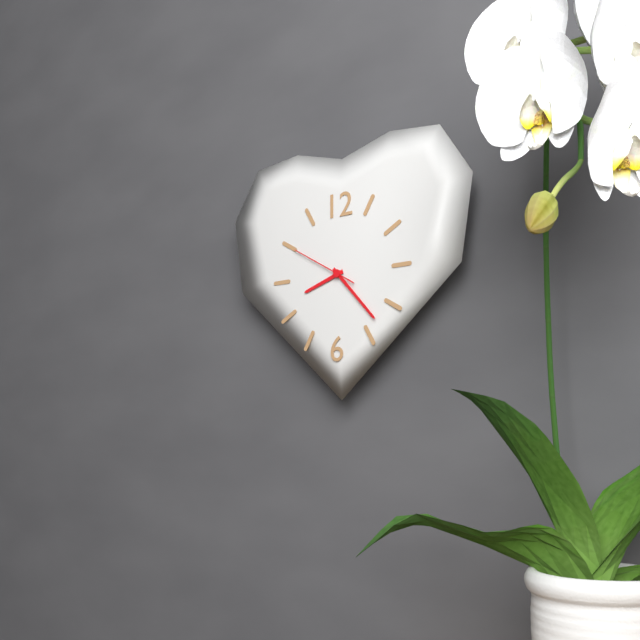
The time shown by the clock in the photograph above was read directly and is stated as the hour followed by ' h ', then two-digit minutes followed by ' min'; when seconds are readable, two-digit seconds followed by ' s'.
8 h 23 min 50 s
